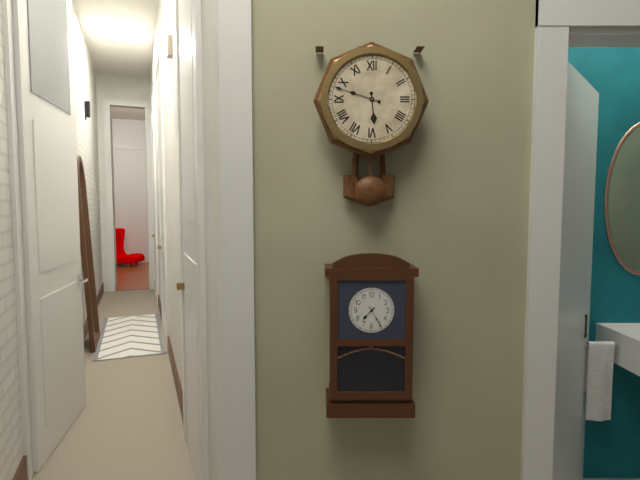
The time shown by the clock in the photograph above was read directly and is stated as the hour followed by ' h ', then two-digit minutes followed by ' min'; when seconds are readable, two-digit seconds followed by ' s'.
5 h 48 min
